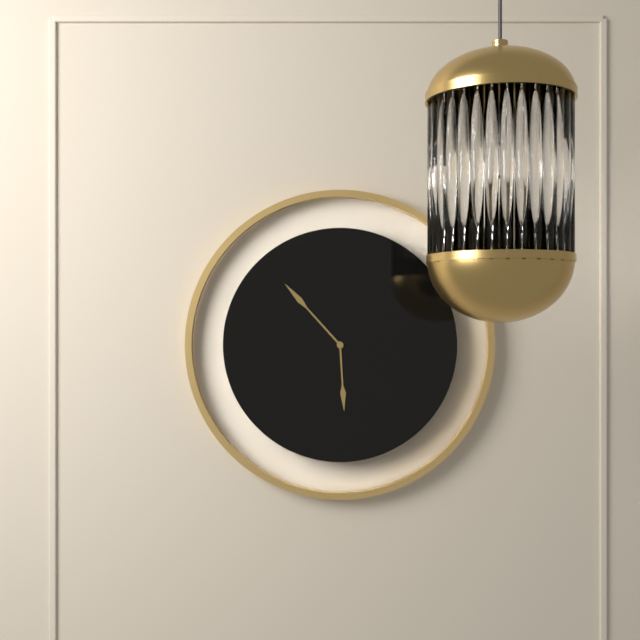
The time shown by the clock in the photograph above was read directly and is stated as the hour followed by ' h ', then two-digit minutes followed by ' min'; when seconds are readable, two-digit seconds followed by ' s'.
5 h 53 min
